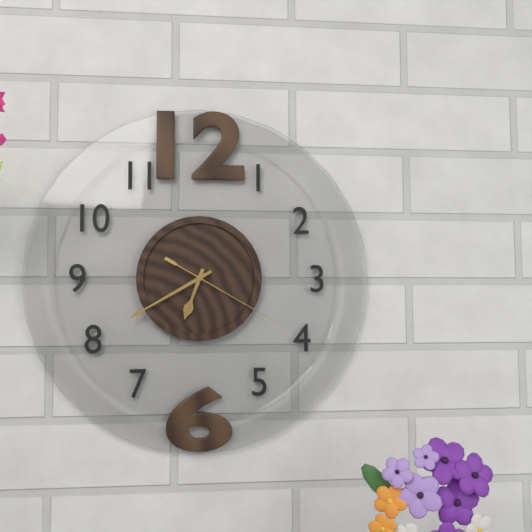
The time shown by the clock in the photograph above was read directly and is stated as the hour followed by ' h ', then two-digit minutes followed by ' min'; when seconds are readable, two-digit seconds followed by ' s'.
6 h 40 min 20 s
